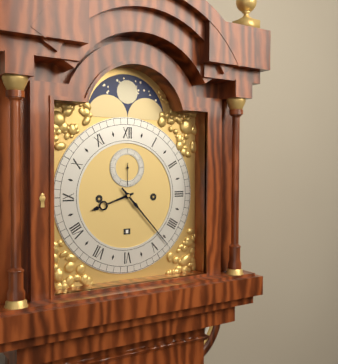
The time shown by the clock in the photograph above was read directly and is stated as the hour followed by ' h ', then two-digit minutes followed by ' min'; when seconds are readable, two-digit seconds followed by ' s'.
8 h 23 min
